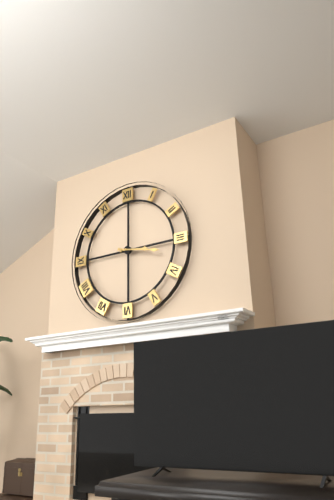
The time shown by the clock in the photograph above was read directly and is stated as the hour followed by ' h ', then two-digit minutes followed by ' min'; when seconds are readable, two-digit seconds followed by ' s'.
3 h 17 min
